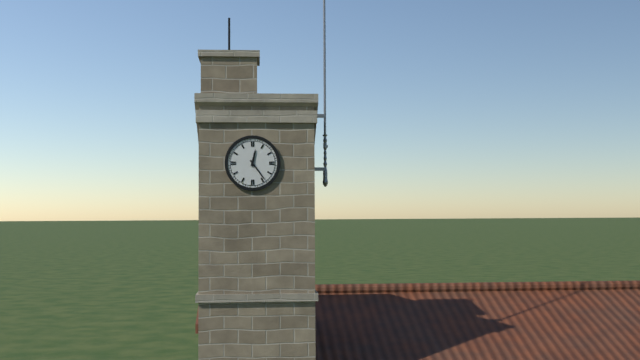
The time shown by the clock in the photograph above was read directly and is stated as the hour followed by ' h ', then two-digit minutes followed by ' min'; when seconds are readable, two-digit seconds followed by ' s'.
12 h 24 min
